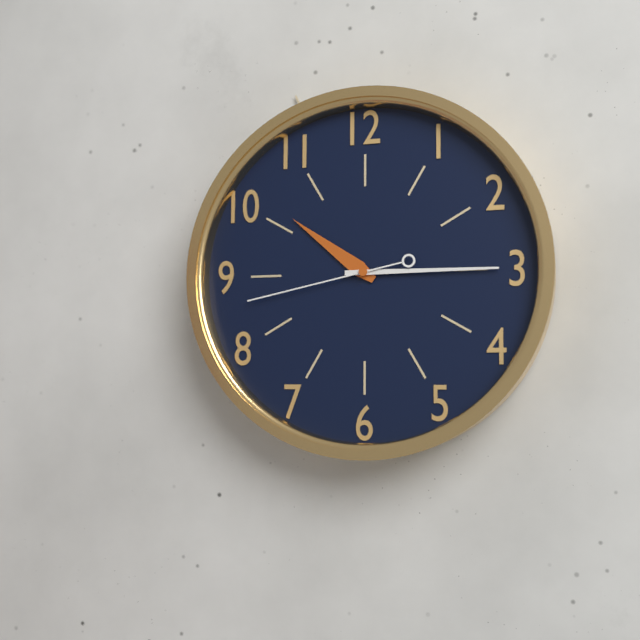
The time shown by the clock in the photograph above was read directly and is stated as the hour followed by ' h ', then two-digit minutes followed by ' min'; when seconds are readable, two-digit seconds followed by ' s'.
10 h 15 min 43 s
